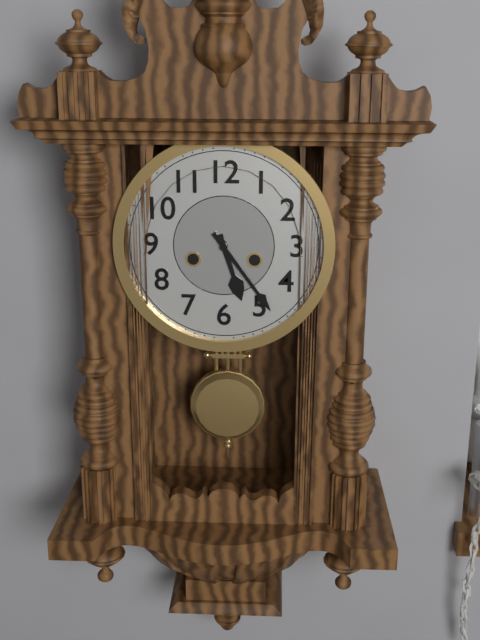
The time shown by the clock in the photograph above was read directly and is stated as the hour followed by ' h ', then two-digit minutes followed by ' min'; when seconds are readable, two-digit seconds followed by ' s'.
5 h 24 min
